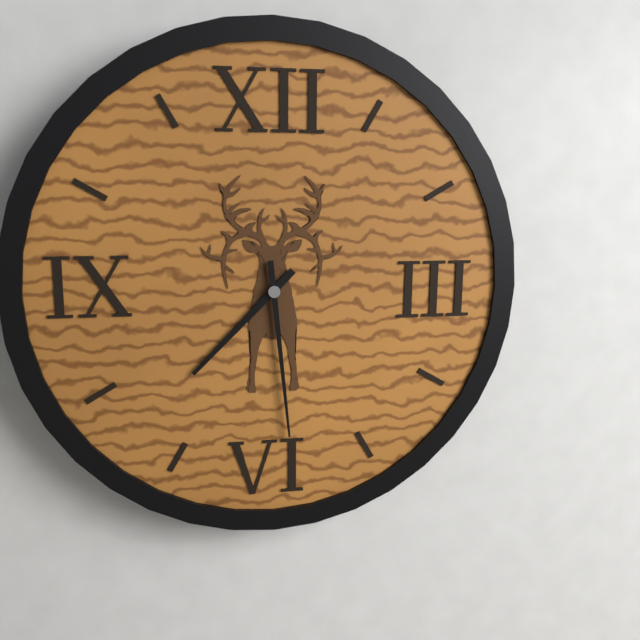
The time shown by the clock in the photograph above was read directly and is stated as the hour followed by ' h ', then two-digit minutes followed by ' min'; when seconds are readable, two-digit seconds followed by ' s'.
7 h 29 min
